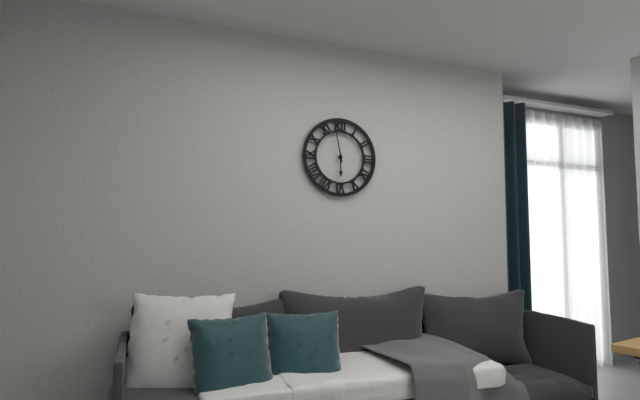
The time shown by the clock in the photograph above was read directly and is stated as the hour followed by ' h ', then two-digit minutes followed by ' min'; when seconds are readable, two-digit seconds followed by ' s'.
5 h 58 min
